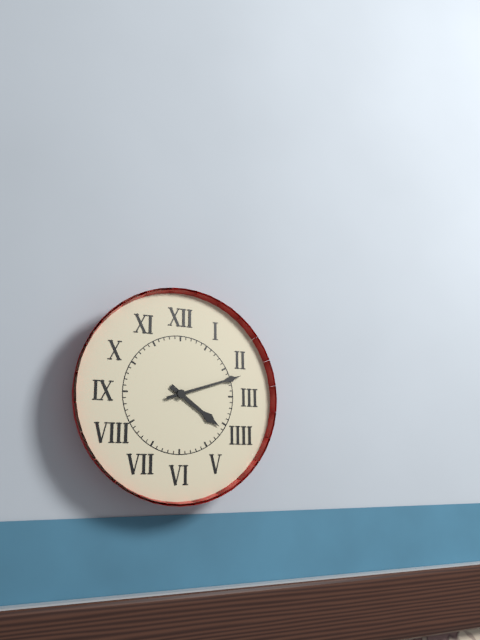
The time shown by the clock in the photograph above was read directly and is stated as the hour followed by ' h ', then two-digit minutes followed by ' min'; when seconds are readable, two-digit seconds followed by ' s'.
4 h 12 min
